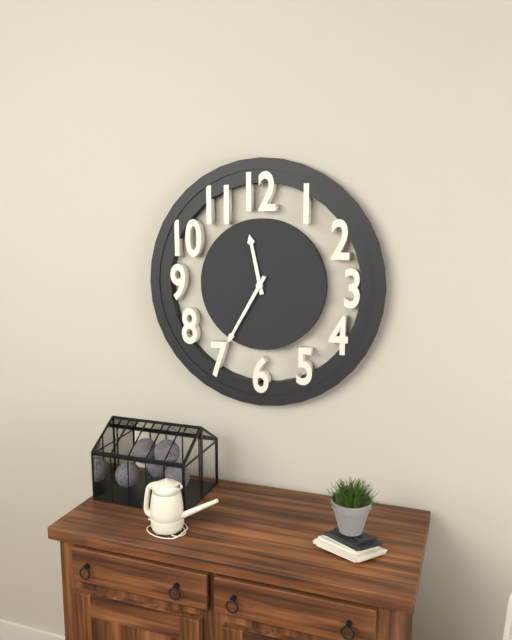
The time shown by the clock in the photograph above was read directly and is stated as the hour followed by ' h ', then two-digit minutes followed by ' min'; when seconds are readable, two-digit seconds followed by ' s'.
11 h 35 min
